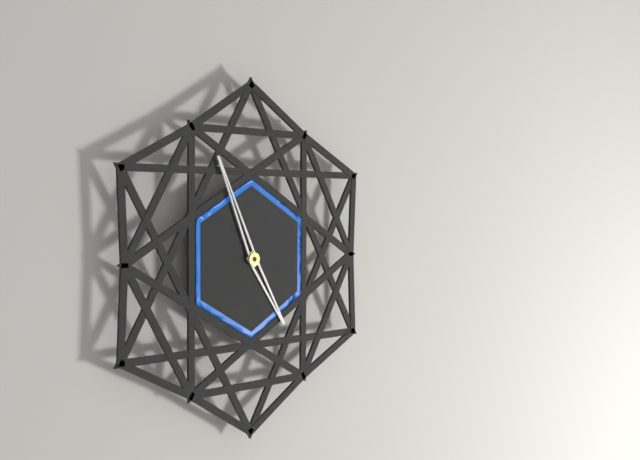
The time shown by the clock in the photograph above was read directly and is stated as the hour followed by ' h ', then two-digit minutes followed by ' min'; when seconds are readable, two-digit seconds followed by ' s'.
4 h 56 min
